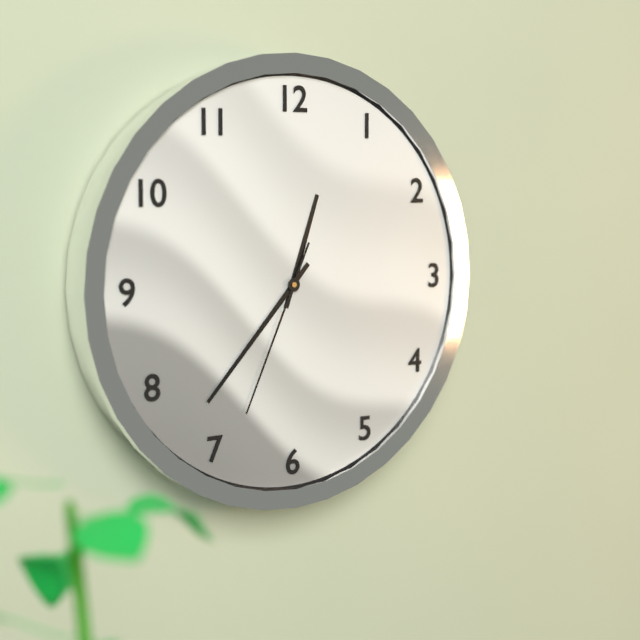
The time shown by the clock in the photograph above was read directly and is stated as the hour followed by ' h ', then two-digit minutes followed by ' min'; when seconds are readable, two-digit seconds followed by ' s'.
12 h 37 min 34 s
